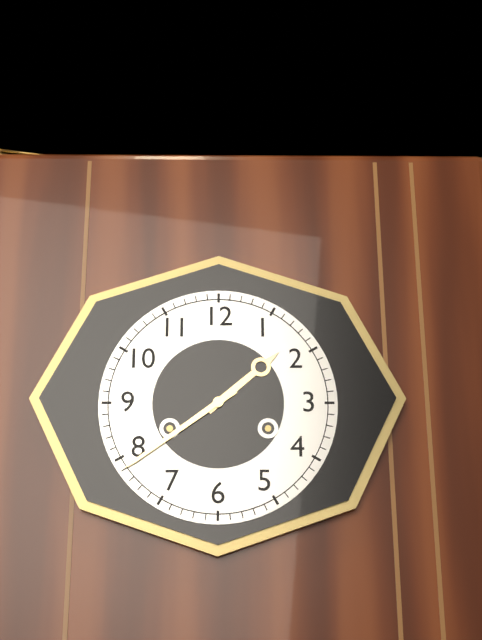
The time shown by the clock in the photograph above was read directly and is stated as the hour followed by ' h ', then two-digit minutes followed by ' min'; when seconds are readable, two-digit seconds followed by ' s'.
1 h 39 min
